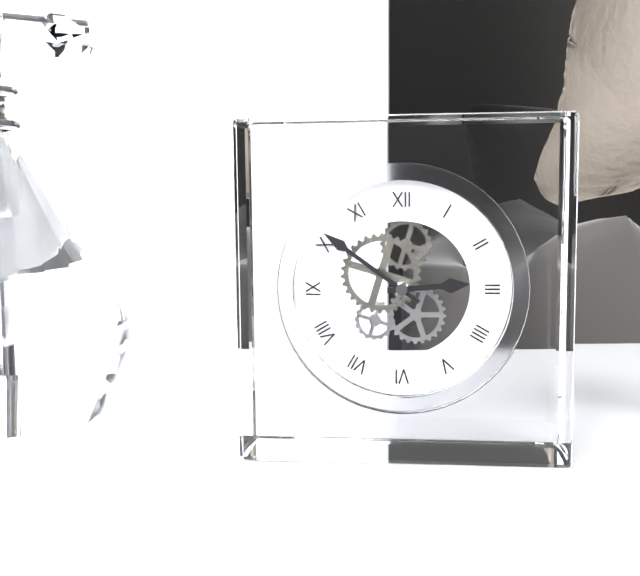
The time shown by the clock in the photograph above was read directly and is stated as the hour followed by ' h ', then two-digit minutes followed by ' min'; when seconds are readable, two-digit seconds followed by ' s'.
2 h 51 min
